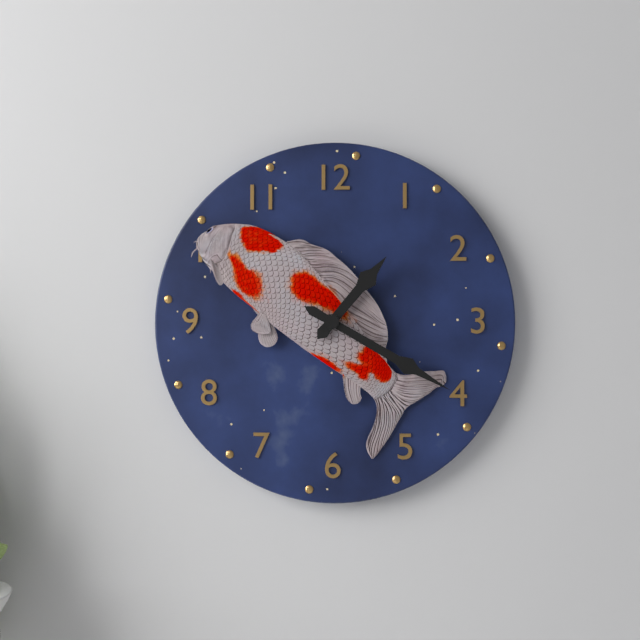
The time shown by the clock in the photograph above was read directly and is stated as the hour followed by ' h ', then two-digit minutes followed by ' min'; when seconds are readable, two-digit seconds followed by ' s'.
1 h 20 min
